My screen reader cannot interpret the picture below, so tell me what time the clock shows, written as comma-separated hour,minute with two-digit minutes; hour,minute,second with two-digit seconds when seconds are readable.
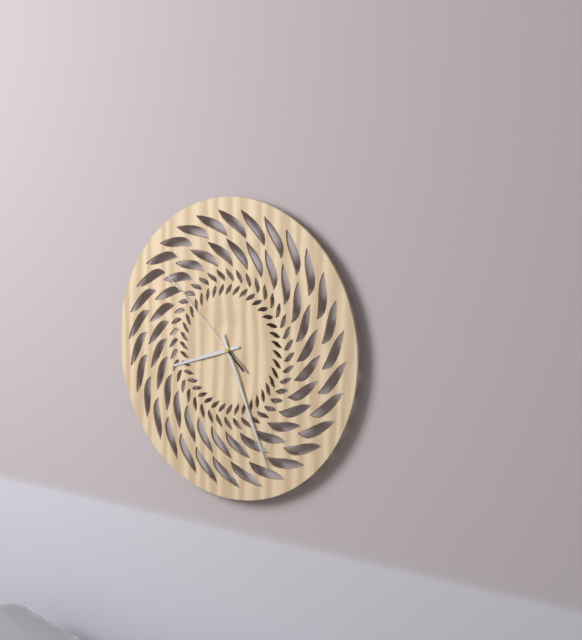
8,26,52
